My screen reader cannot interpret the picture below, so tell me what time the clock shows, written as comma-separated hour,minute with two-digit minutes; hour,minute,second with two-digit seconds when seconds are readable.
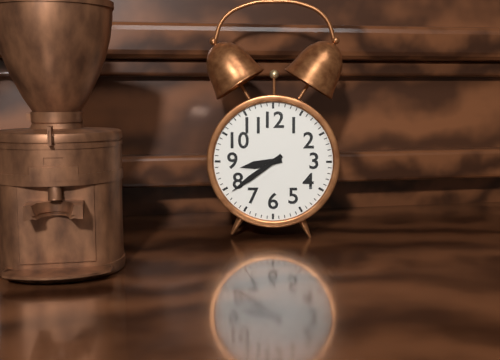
8,39
